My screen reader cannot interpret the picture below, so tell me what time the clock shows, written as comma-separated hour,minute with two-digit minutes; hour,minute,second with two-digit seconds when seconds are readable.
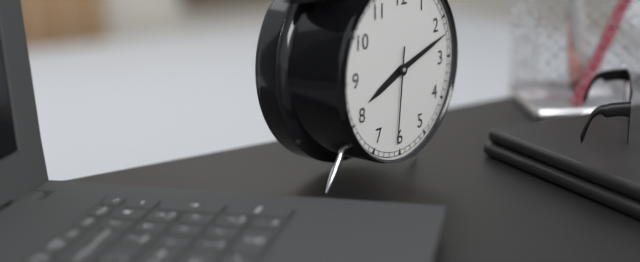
8,12,31
